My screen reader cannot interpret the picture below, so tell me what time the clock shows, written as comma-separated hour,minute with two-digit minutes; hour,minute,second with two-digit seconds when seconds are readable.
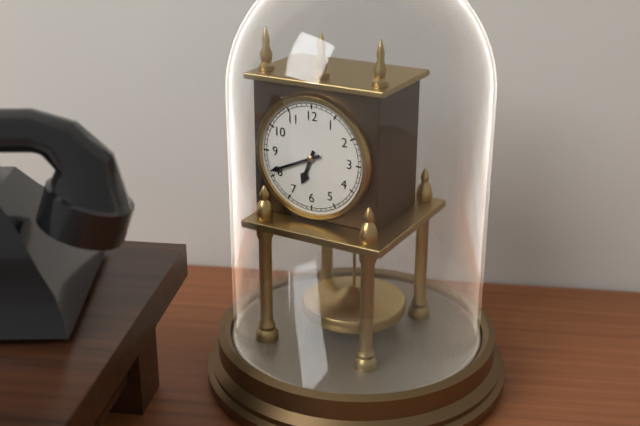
6,41
